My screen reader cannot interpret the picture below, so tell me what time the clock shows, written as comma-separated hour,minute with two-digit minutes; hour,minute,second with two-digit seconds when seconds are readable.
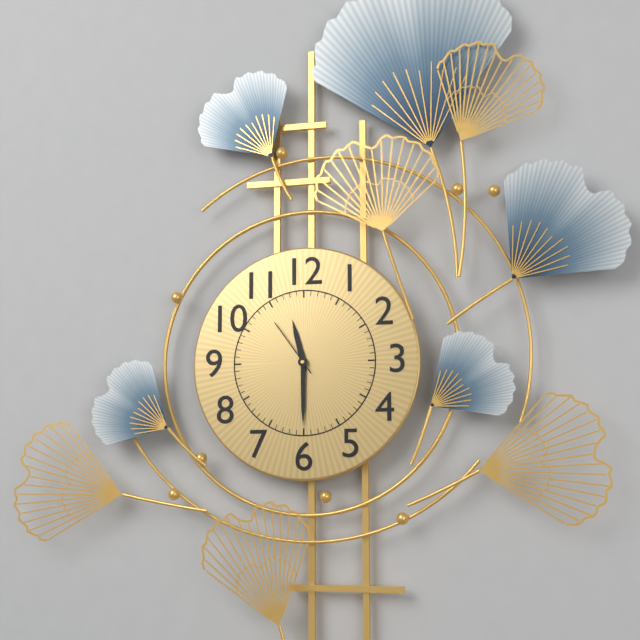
11,30,54
